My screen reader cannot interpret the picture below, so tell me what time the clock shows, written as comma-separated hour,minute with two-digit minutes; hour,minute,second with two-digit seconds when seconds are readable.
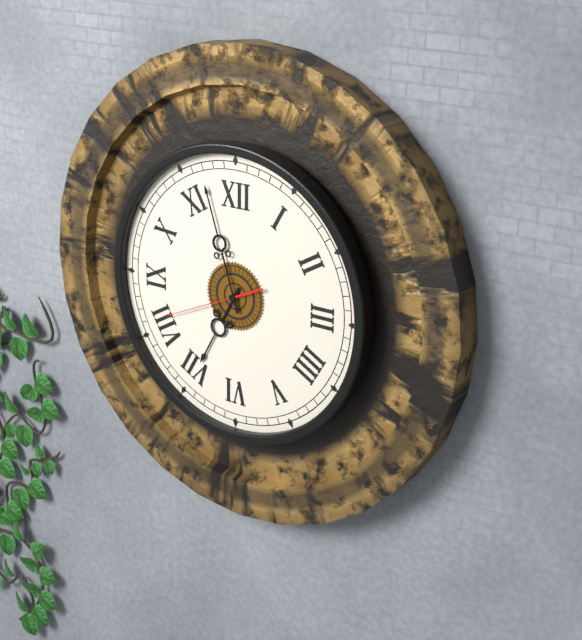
6,57,41
